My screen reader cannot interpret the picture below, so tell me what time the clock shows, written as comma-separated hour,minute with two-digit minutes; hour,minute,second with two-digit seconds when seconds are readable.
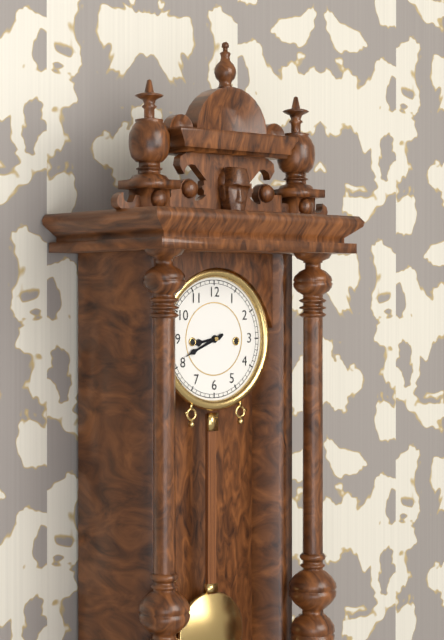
8,41
